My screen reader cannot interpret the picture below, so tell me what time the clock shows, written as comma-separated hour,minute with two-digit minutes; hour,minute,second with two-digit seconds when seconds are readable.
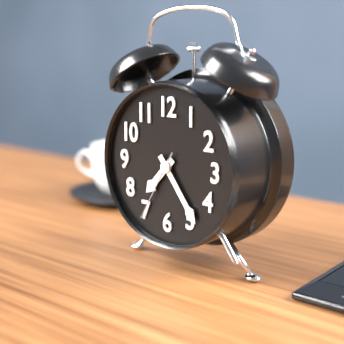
7,24,35
